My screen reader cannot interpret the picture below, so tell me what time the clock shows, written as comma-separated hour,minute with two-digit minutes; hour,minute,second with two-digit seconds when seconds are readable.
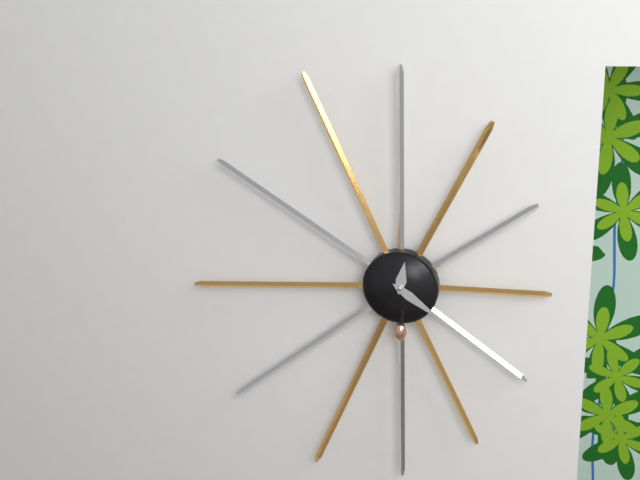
12,21
